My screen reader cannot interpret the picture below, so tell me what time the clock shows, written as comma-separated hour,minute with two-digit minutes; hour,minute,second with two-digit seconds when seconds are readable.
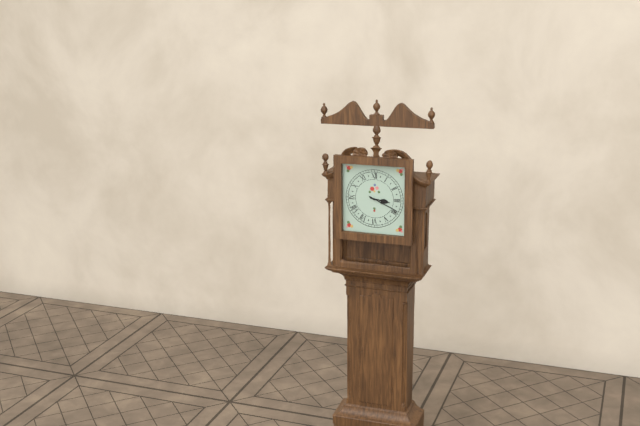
3,19
